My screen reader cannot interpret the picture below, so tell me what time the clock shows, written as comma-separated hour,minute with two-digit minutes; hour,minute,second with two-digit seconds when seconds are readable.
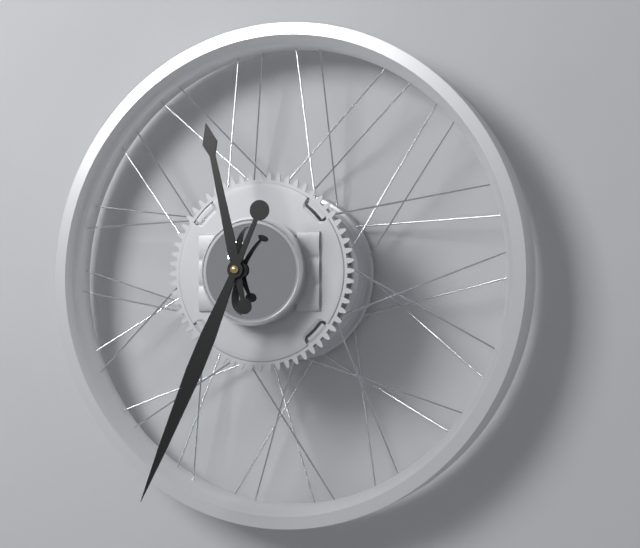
11,34
